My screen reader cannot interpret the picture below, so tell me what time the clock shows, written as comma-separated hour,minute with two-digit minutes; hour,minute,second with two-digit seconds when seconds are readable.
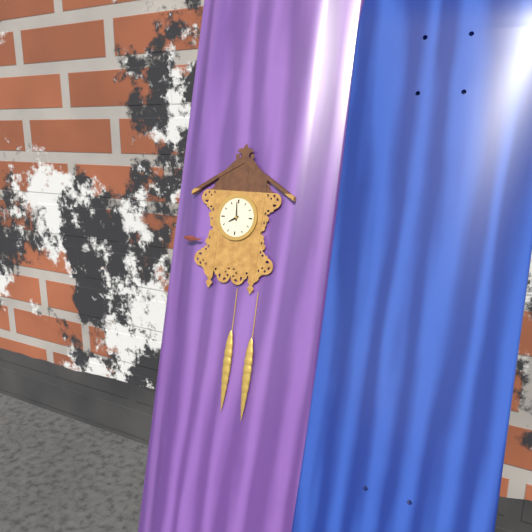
7,59
